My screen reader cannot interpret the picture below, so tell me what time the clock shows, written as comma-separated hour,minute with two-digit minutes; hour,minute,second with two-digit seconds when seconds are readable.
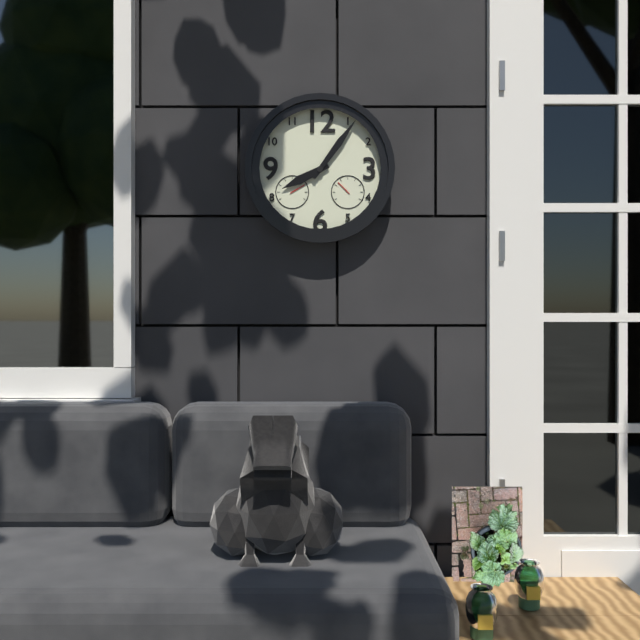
8,06
